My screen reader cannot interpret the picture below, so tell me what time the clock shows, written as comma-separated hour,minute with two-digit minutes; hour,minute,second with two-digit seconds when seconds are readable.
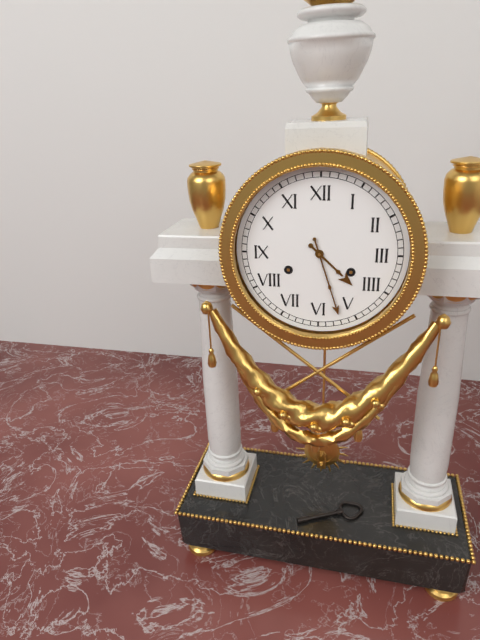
4,27
